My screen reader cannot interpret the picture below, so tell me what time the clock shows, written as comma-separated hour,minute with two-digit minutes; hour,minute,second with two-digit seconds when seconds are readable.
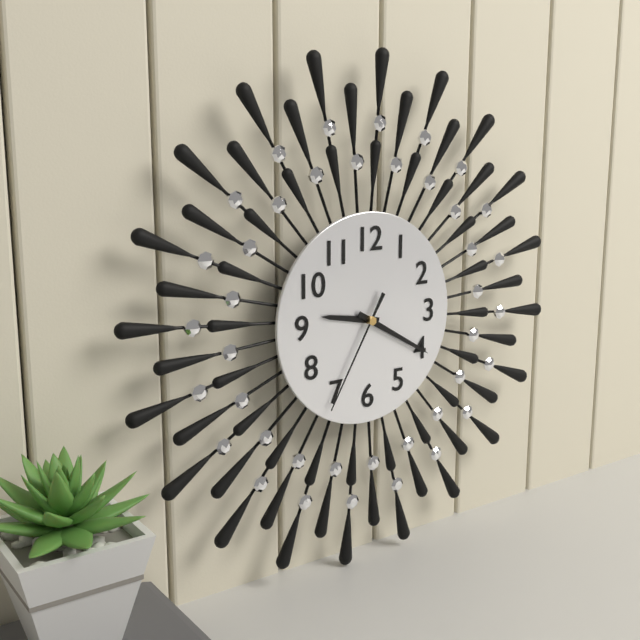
9,20,35
